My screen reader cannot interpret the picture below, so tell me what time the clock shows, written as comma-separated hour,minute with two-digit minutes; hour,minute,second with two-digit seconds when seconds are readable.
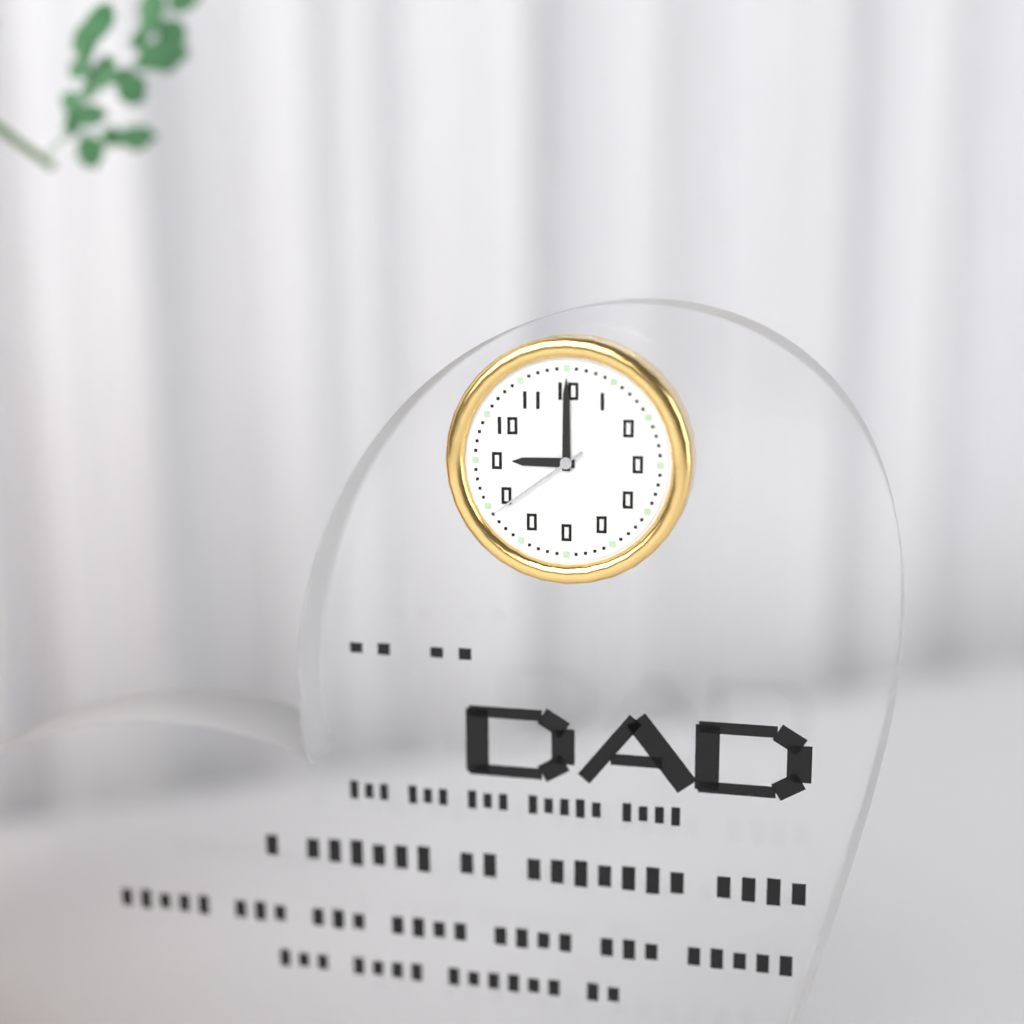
9,00,39
